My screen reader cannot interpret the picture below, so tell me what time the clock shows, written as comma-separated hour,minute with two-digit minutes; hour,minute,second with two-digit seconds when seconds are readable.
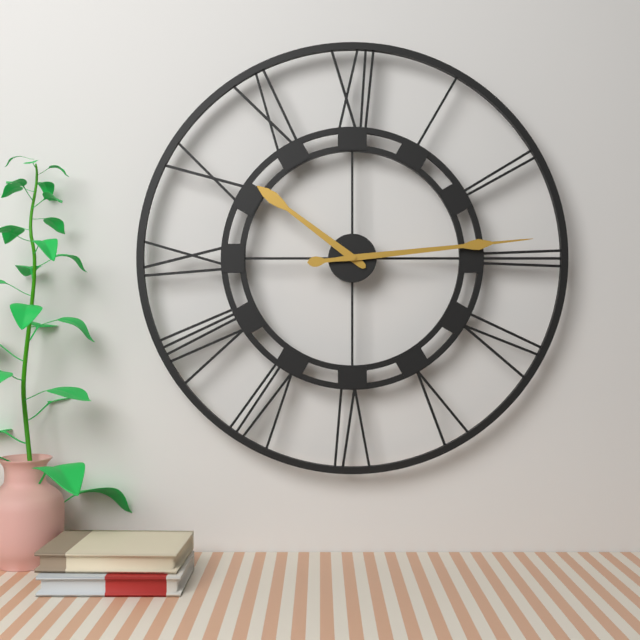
10,14
